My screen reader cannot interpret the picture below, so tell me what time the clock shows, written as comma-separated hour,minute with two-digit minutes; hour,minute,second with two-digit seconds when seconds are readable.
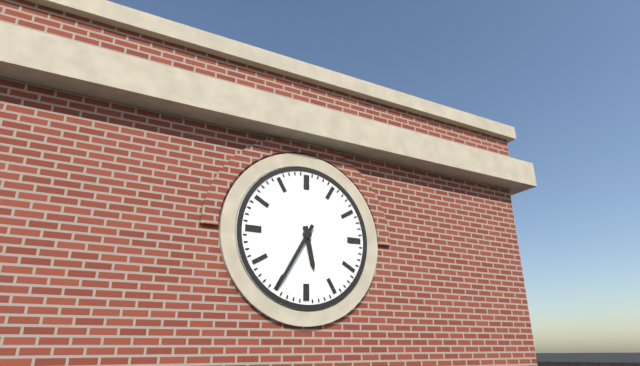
5,35
